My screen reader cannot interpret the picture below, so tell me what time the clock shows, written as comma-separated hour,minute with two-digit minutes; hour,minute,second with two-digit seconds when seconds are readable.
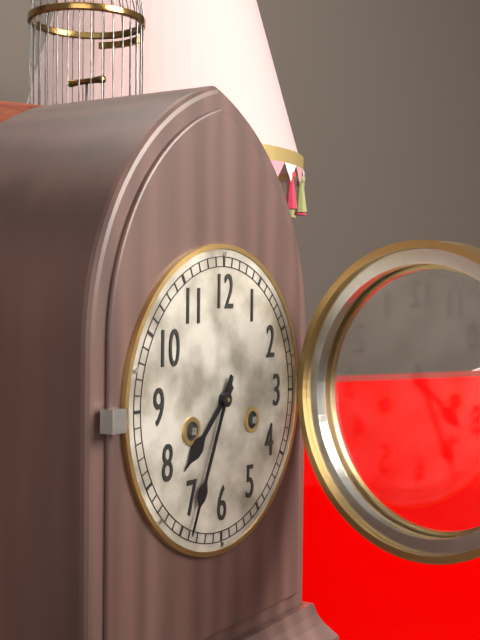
7,34
